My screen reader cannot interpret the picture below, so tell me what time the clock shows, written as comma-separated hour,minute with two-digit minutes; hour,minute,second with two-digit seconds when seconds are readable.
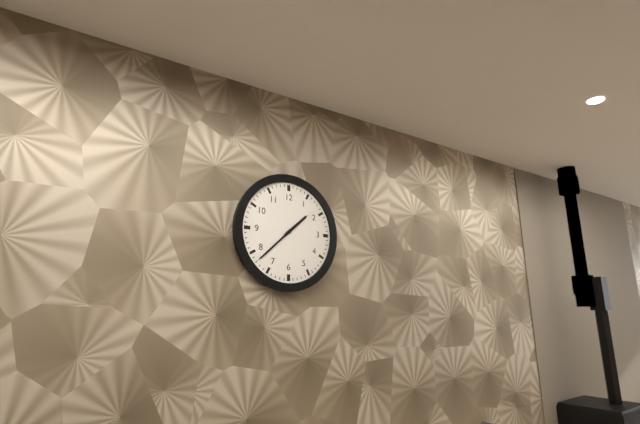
1,38
